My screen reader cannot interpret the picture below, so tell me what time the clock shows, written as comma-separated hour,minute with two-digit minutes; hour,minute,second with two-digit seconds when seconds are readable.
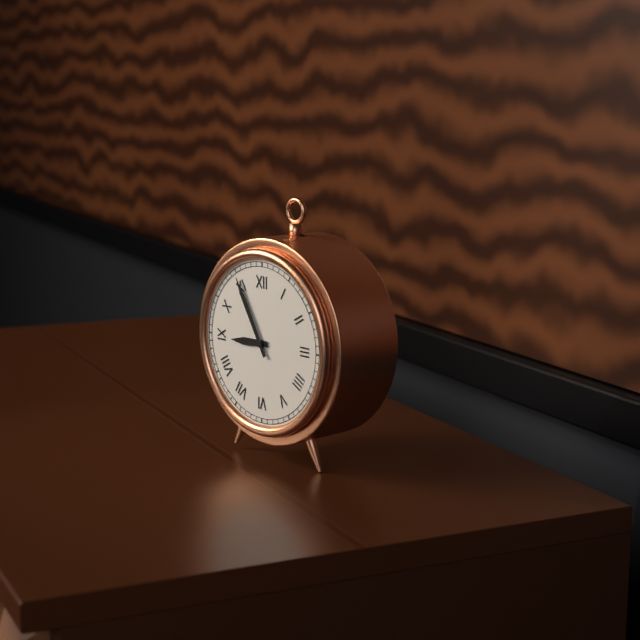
8,55
